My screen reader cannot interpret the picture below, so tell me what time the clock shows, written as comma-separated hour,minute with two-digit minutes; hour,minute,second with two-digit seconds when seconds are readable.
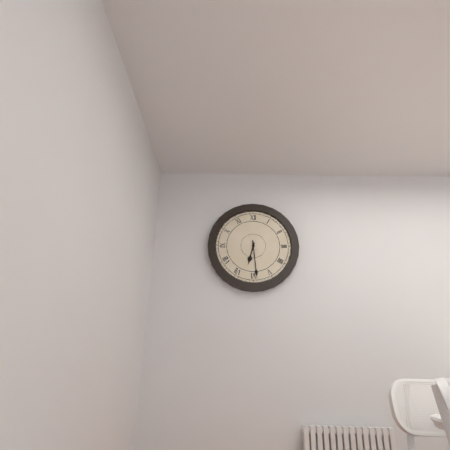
6,29
